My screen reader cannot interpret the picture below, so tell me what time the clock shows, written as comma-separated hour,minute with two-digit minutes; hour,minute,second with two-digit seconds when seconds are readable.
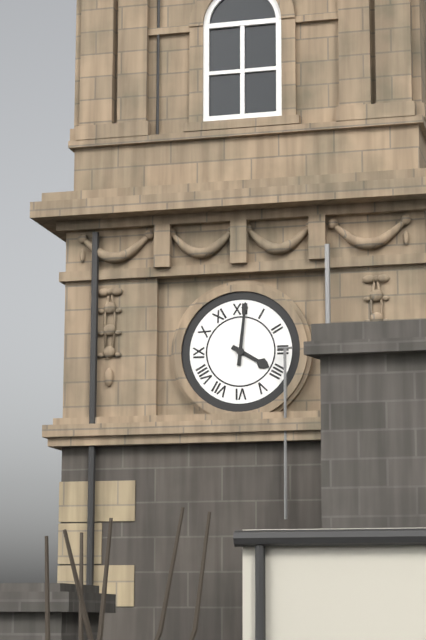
4,01
